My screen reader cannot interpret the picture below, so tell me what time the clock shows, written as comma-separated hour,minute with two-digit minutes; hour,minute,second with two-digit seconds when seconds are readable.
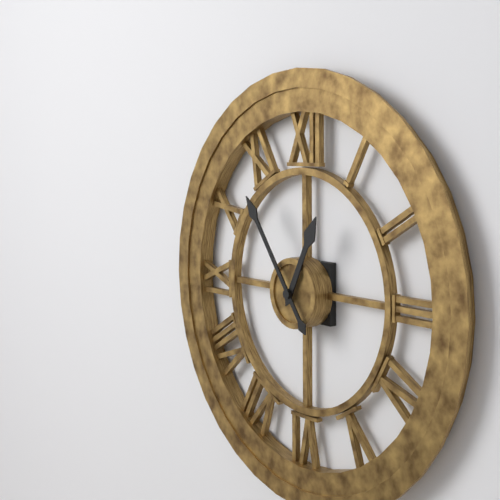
12,54
